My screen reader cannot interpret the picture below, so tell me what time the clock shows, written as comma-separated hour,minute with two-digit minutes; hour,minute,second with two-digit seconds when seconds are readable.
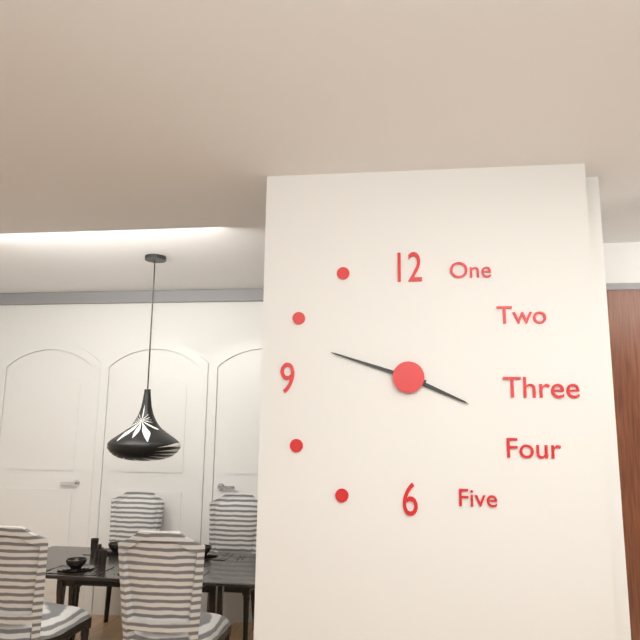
3,48
